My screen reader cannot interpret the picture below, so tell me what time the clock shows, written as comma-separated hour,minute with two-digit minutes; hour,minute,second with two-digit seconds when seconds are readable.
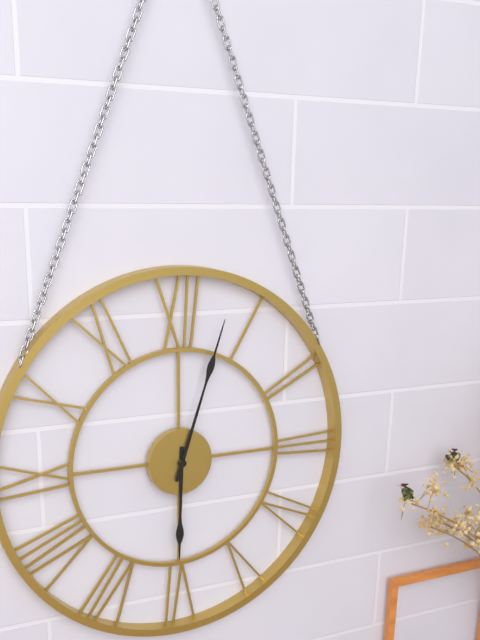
6,03
